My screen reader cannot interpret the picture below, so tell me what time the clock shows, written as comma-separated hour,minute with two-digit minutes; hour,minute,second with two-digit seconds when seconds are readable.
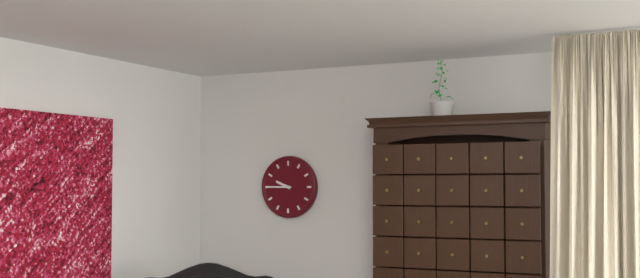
9,45
